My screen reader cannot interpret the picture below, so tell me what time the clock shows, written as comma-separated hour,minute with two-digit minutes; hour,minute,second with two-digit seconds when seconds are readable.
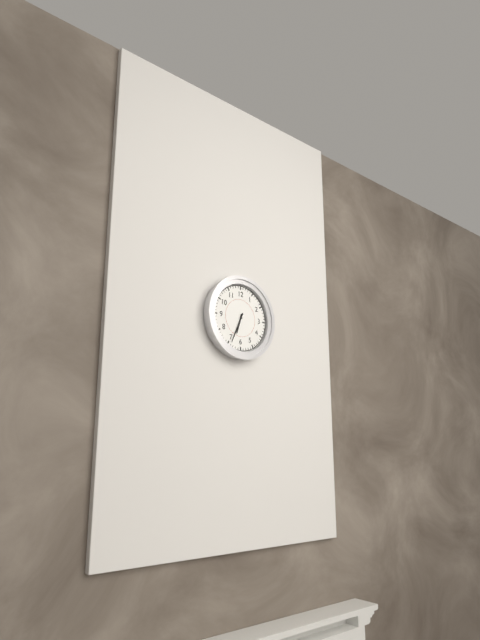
6,34
